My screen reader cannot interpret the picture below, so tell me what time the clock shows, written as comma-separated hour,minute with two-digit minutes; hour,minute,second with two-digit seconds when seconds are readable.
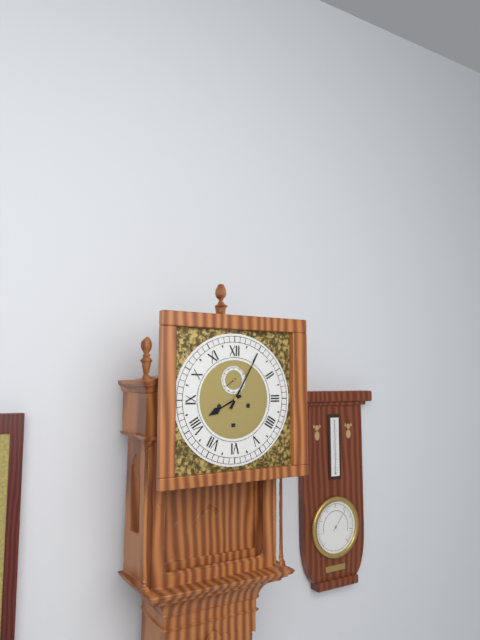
8,05
